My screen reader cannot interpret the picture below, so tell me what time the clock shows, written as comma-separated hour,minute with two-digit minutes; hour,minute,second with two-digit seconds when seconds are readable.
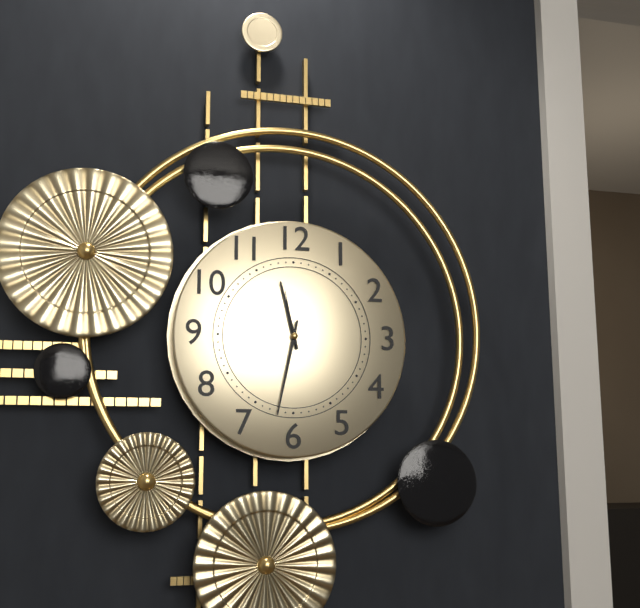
11,32,58
